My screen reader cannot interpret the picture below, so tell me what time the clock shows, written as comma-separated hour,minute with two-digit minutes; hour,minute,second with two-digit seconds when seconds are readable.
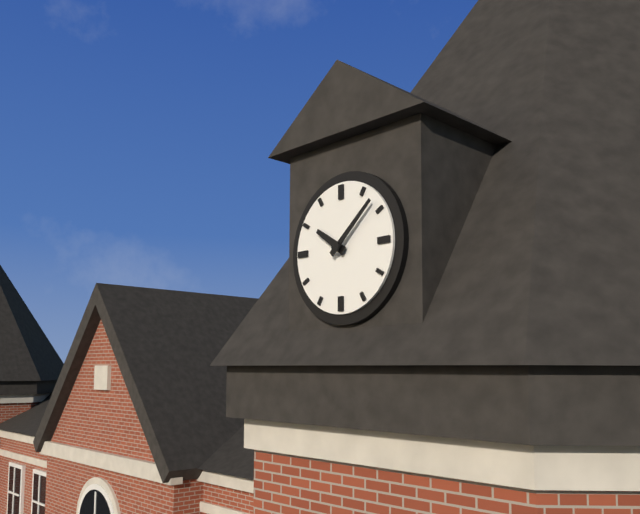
10,08
